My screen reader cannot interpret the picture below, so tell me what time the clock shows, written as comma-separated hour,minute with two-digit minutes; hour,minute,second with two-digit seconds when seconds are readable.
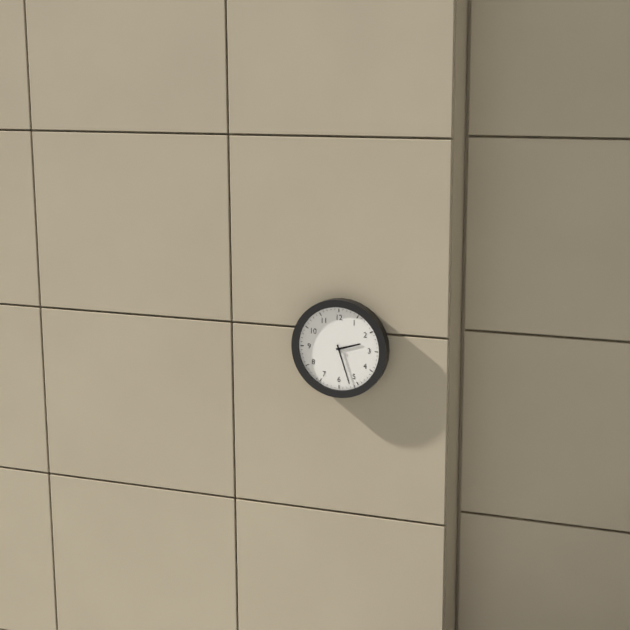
2,27
